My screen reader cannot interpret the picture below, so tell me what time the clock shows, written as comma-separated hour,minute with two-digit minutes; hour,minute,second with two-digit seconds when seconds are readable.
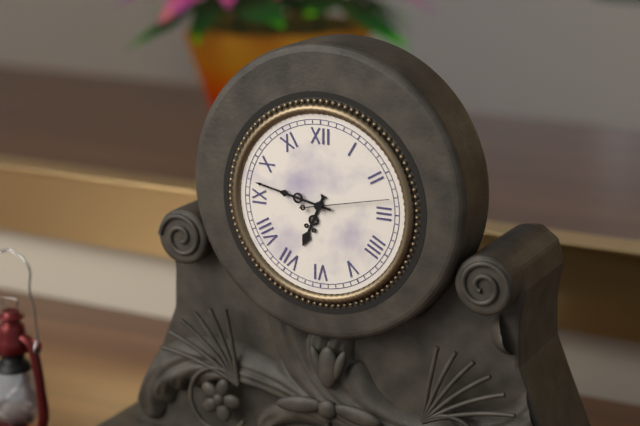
6,47,13
